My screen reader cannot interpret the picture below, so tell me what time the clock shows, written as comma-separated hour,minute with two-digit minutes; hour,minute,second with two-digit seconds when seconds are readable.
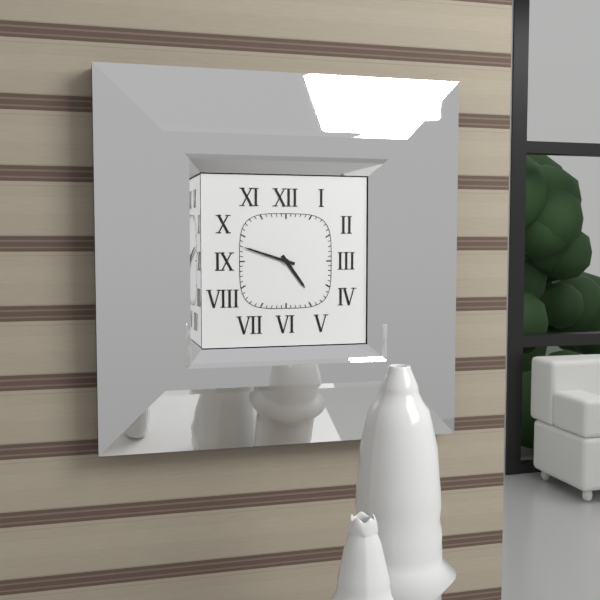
4,48
